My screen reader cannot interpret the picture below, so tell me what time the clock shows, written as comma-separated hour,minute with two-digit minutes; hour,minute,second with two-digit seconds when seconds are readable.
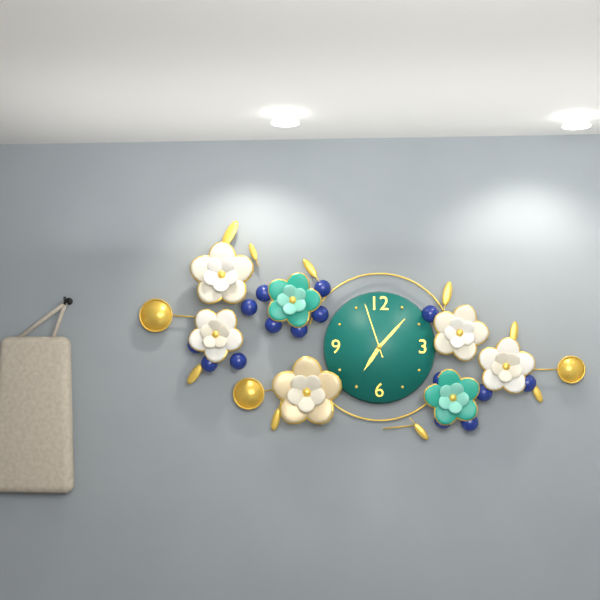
7,07,57
